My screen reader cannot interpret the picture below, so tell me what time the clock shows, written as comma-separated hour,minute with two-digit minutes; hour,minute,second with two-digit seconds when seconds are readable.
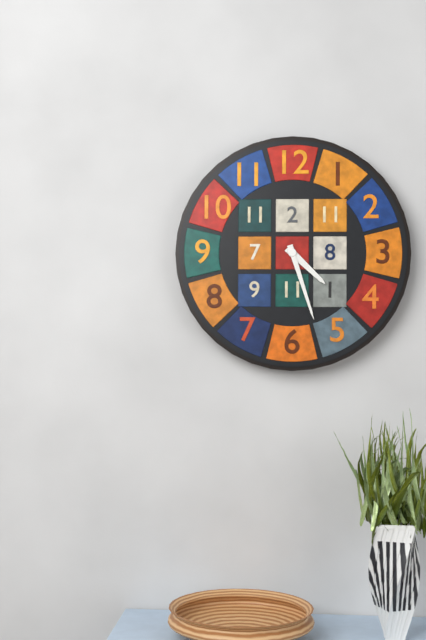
4,27
